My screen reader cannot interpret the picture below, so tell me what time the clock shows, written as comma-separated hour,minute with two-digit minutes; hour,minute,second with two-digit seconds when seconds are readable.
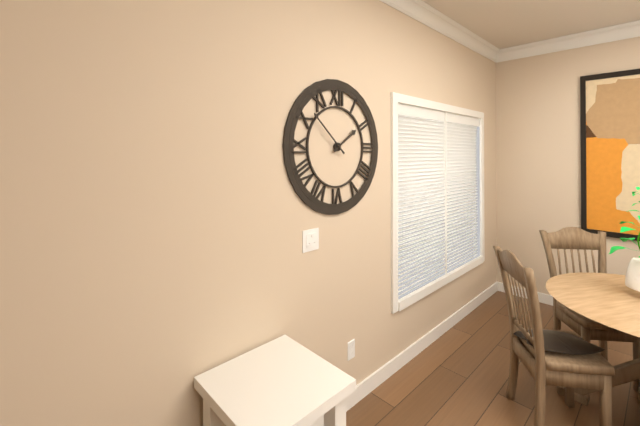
1,52
